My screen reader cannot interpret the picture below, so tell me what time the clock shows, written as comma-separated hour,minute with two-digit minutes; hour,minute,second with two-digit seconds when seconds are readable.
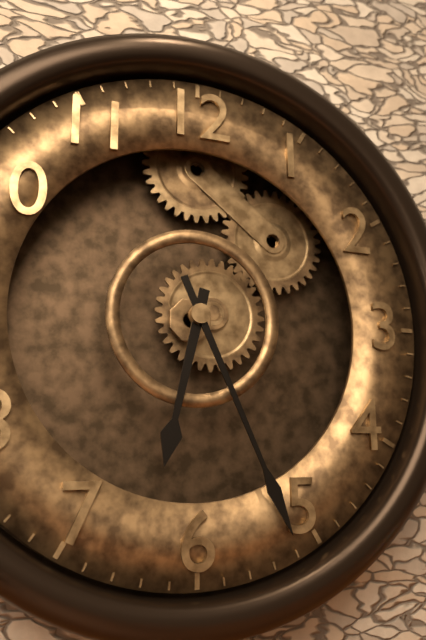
6,26
